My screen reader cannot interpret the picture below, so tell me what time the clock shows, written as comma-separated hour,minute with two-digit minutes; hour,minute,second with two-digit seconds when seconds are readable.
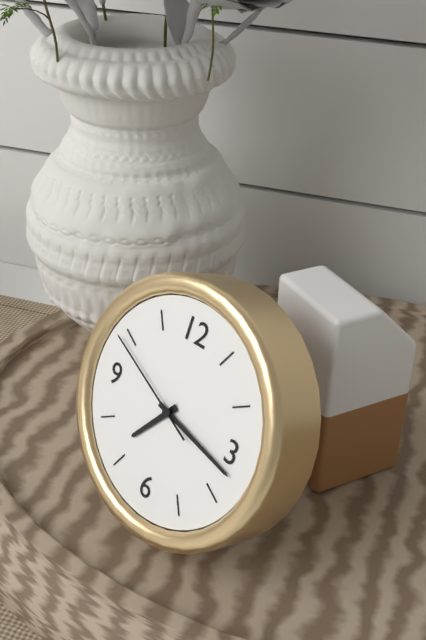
7,17,49
